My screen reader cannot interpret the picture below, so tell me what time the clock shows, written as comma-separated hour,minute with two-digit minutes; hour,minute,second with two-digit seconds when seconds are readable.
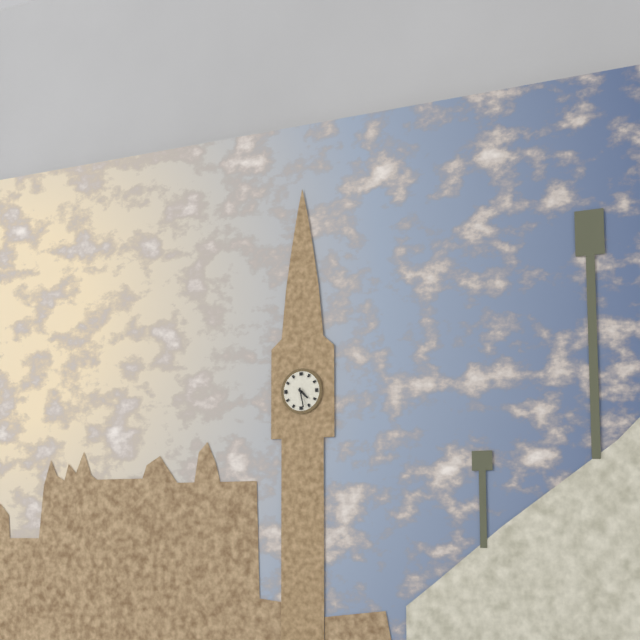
4,28
